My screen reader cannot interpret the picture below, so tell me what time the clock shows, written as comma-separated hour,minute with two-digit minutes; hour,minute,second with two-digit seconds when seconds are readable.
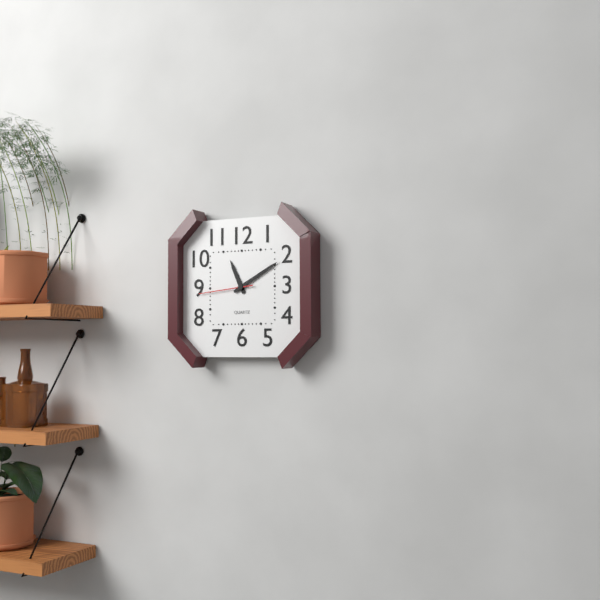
11,10,44
